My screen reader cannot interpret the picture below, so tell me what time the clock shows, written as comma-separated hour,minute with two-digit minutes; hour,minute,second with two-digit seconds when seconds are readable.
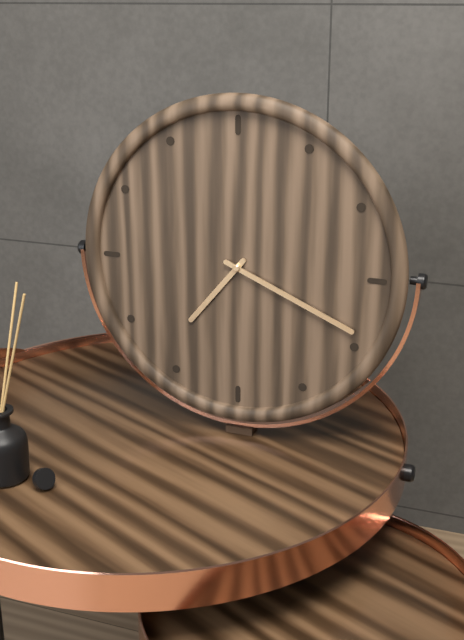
7,19
